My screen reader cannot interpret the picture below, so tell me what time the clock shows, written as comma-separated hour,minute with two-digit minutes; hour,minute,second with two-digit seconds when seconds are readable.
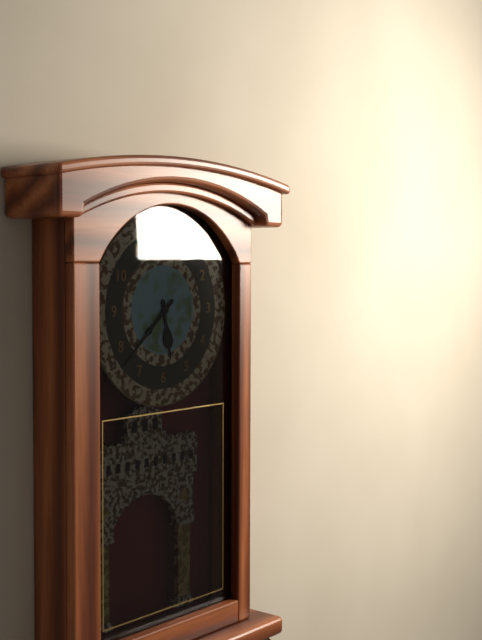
5,38
